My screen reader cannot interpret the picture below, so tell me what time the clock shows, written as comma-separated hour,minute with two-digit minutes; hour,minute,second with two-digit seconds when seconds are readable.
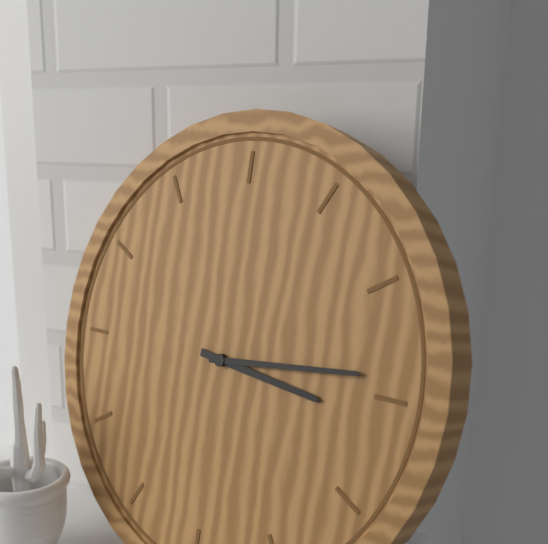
3,14
